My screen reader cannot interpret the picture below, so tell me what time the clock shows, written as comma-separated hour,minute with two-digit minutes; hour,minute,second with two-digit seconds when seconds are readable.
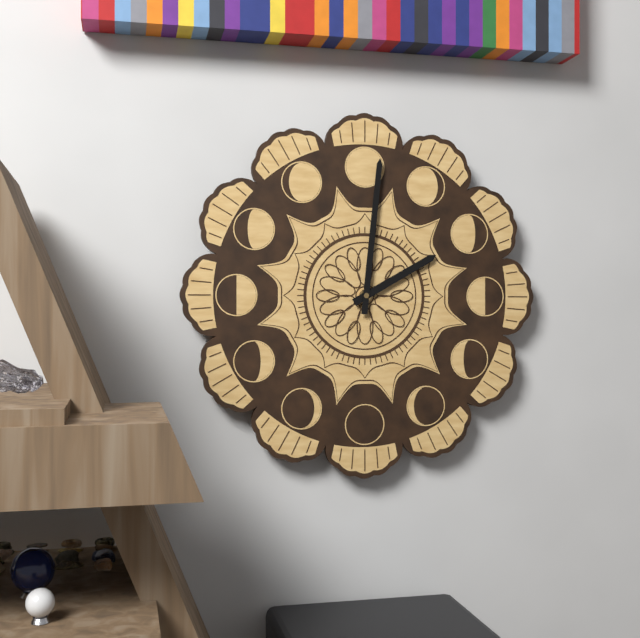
2,01
